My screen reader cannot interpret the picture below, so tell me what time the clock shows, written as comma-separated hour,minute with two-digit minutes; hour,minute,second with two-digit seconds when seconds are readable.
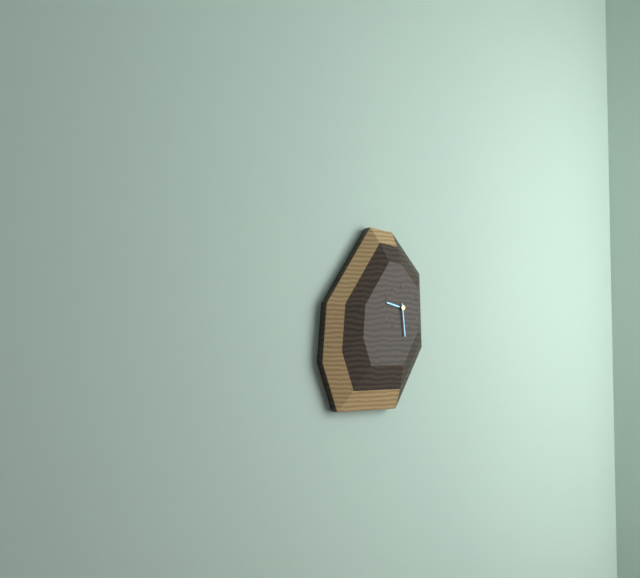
9,29
